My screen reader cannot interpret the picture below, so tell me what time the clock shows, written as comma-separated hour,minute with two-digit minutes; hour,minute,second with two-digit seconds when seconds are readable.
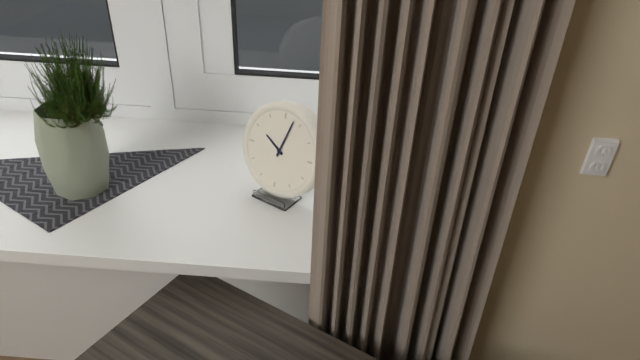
10,03
